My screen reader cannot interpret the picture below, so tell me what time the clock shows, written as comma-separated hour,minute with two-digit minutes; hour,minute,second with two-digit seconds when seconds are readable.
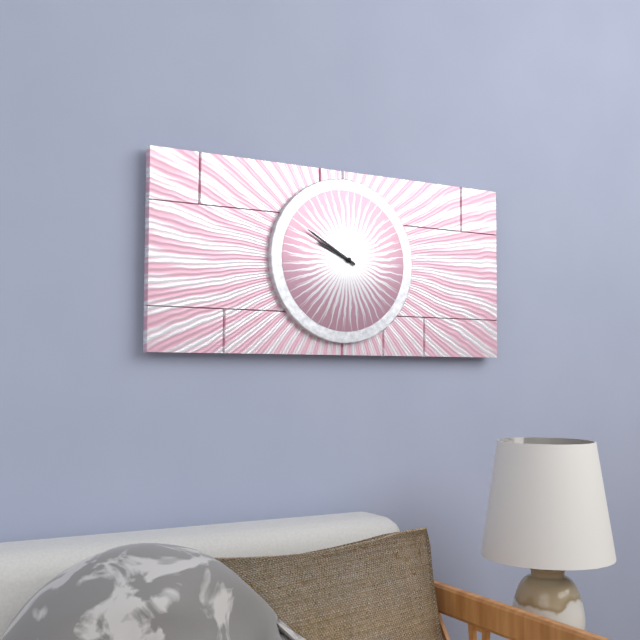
9,50
